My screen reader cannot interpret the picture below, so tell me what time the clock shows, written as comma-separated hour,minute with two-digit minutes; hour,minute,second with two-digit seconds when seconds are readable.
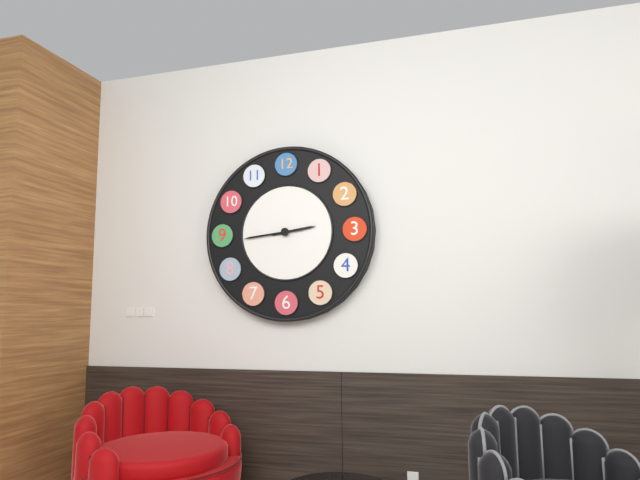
2,44
